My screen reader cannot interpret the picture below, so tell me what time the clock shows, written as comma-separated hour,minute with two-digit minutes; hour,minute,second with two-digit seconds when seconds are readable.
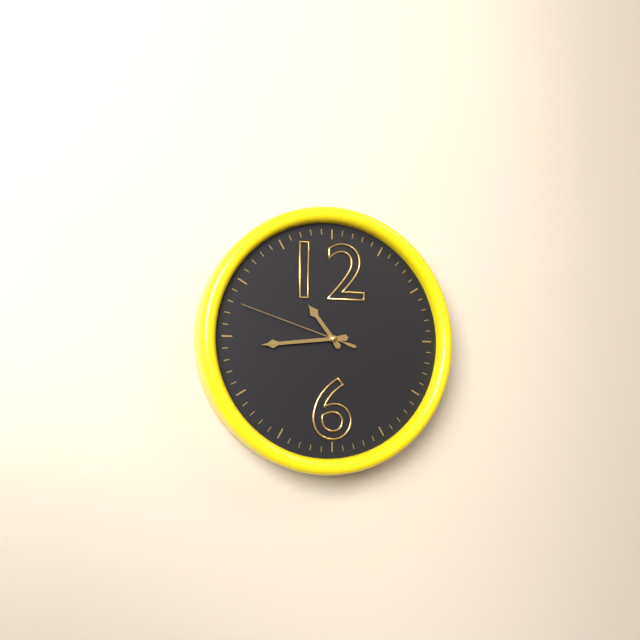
10,44,48
